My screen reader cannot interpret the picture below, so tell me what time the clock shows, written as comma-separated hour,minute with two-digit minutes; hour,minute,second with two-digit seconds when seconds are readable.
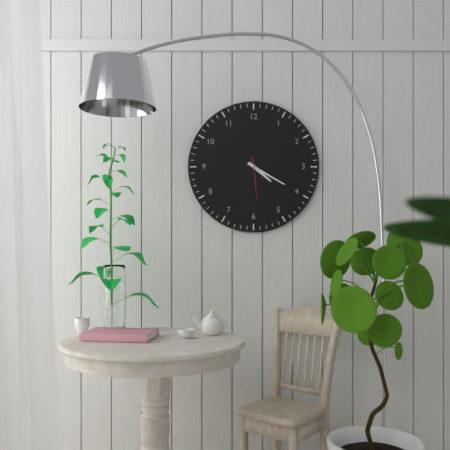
4,20
